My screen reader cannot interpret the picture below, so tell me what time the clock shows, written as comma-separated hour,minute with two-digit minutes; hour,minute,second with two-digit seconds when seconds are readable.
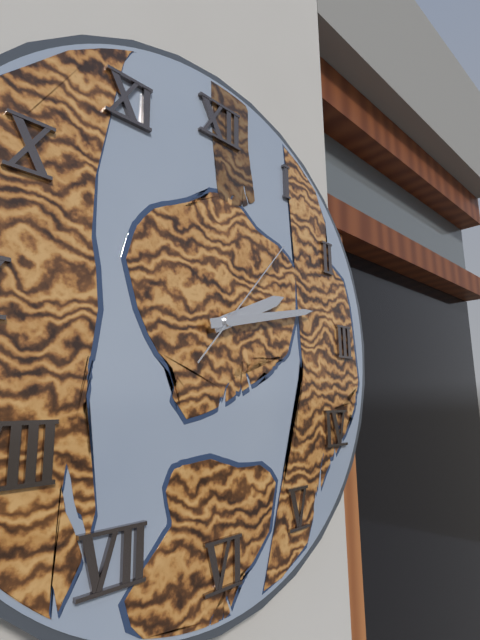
2,13,07
